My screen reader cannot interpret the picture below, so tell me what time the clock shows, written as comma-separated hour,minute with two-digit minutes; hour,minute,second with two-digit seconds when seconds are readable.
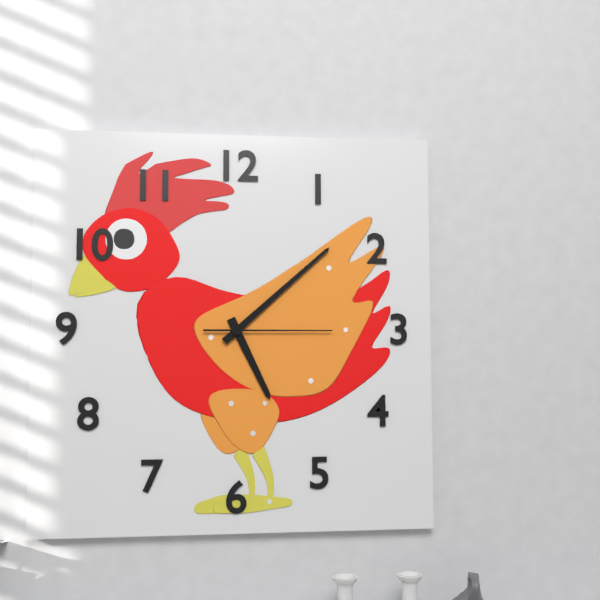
5,08,15
